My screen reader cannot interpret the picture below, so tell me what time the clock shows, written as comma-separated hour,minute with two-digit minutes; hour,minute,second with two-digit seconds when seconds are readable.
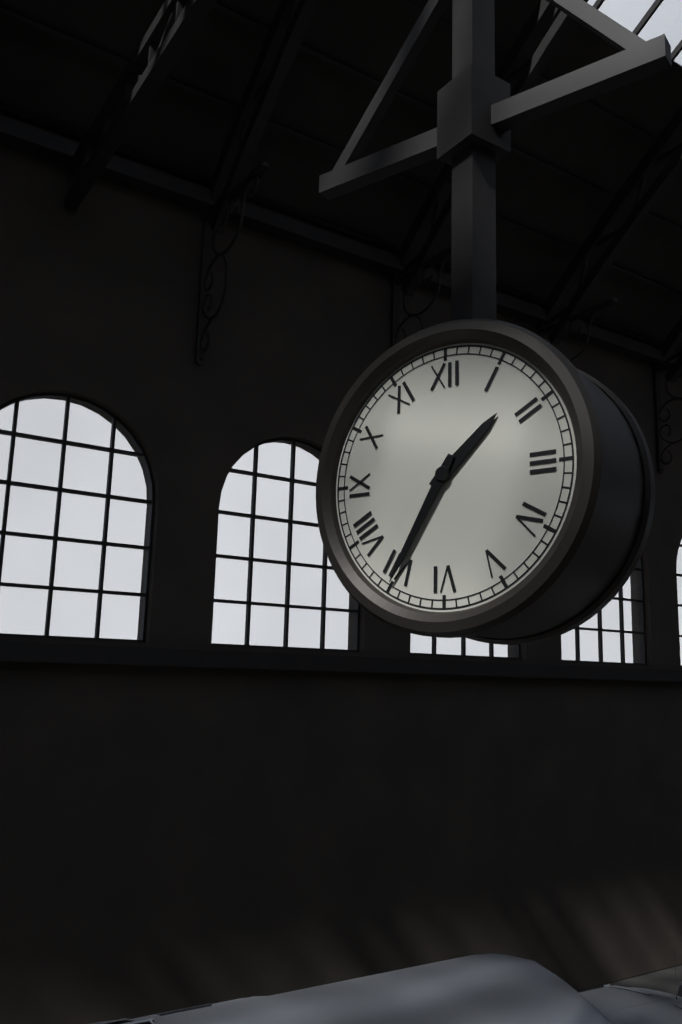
1,35
